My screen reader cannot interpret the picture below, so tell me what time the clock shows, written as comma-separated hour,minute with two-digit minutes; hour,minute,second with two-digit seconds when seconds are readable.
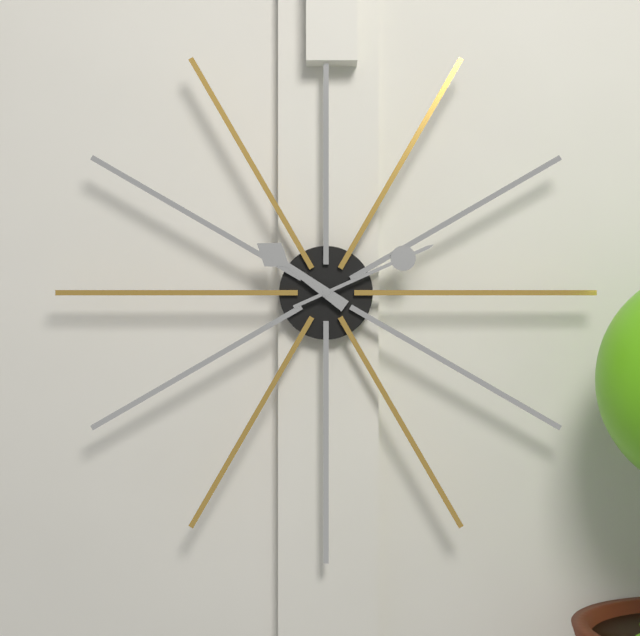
10,11
